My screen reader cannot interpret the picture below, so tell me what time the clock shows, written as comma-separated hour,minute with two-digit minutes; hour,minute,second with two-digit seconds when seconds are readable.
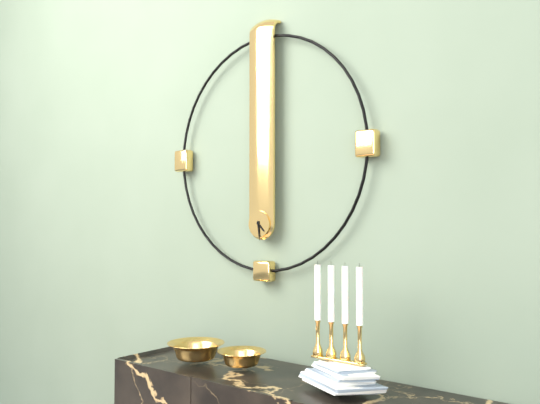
4,29
